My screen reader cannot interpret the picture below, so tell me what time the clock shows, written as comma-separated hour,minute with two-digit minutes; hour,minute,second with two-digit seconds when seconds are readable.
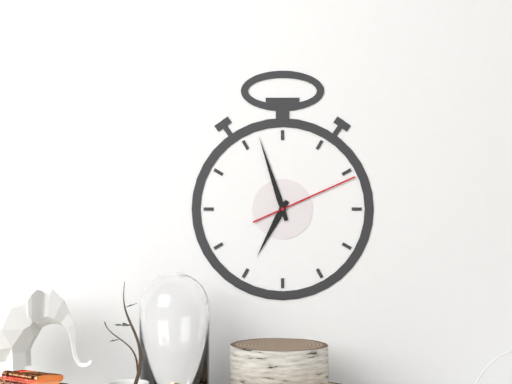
6,57,11
